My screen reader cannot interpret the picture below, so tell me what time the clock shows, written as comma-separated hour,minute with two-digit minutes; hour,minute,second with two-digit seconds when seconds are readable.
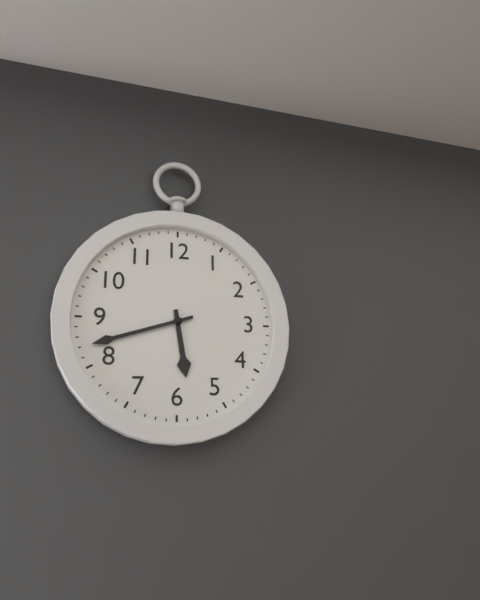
5,42
